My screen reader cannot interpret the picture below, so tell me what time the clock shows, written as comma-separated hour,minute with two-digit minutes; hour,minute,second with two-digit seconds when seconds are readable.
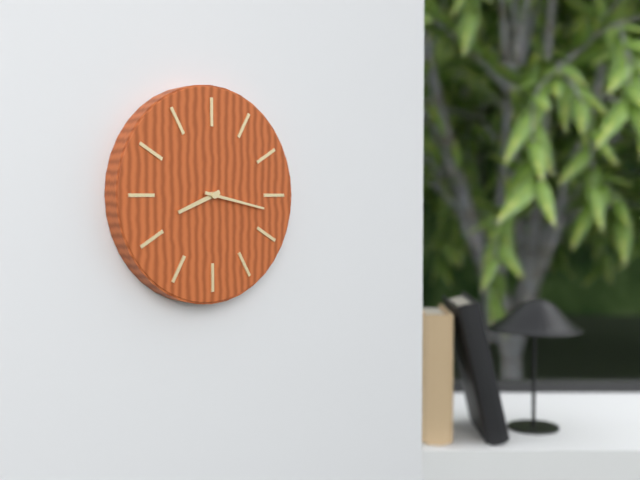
8,17
